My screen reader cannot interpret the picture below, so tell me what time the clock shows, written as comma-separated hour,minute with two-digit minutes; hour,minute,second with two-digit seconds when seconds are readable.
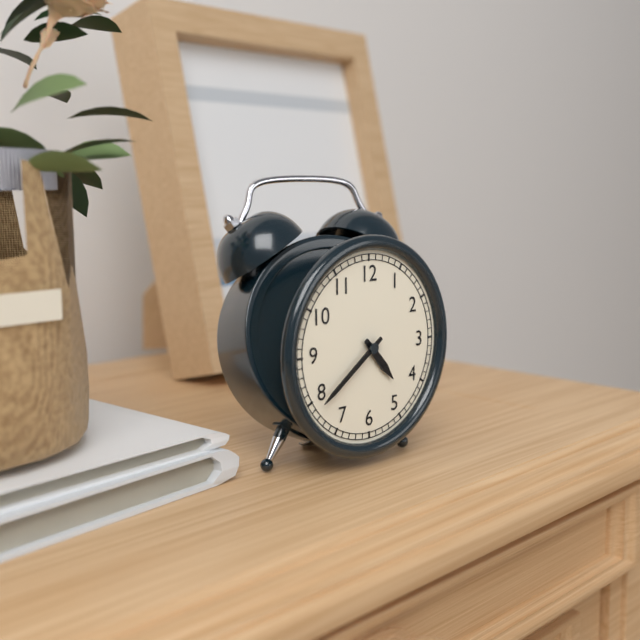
4,39
